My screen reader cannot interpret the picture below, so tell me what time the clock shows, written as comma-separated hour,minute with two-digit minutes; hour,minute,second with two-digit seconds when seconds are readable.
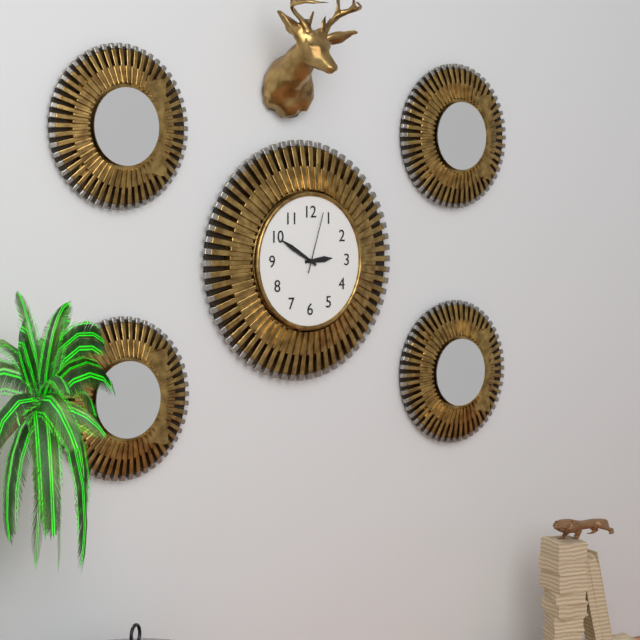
2,50,03
